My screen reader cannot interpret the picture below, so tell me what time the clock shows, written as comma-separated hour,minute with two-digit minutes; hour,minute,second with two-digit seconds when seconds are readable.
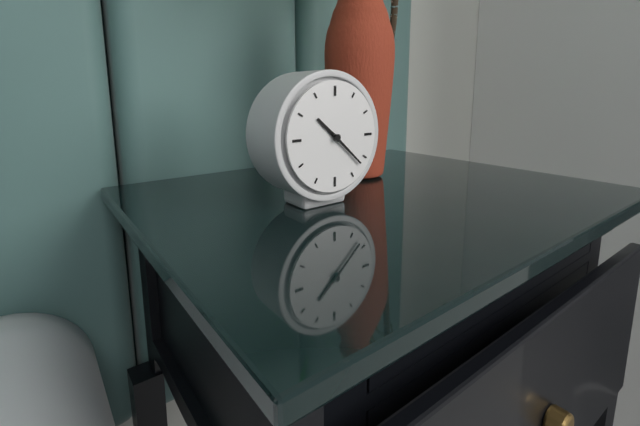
10,22
